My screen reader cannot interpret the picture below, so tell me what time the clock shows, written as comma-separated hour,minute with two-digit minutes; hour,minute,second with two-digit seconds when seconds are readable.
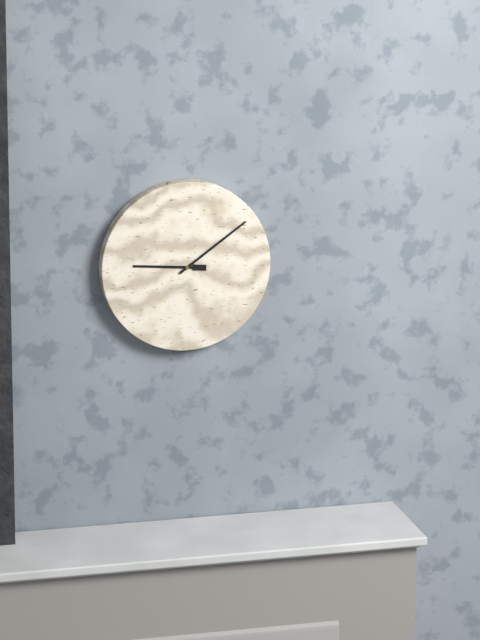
9,09
